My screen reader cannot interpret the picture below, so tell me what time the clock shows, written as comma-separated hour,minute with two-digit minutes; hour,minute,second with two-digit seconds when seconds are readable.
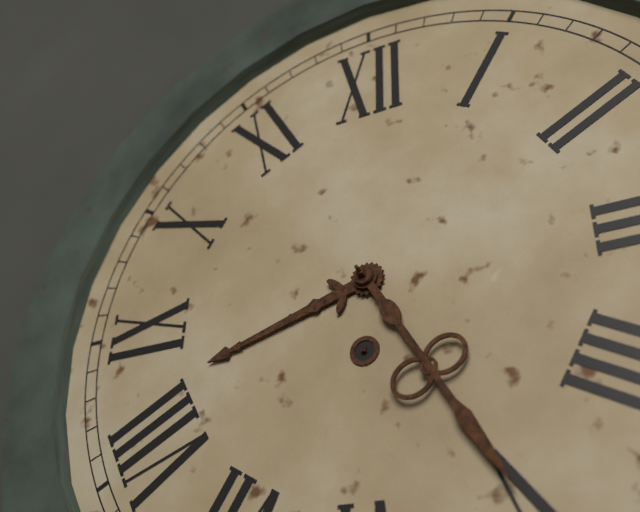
8,25
